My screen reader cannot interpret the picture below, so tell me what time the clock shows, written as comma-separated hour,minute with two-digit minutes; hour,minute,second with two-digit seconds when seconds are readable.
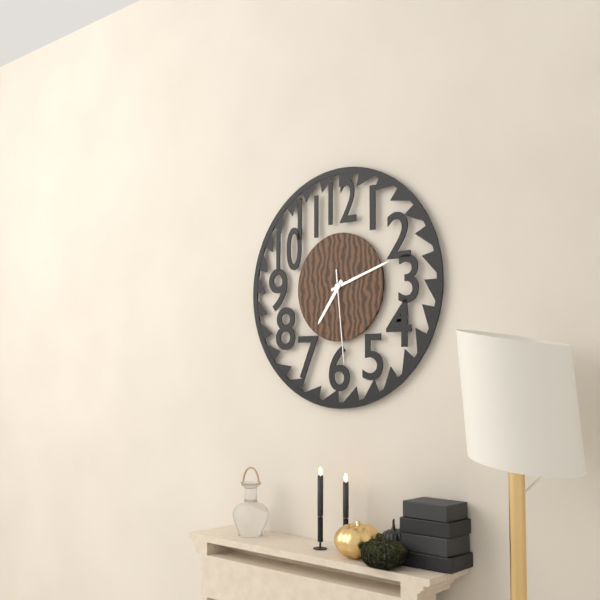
7,12,29
